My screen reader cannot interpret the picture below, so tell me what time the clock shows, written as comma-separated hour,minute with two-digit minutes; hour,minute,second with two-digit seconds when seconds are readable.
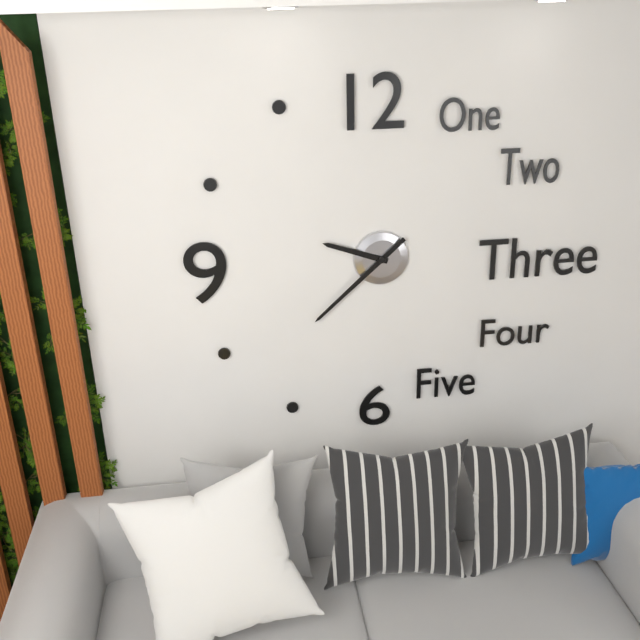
9,38
